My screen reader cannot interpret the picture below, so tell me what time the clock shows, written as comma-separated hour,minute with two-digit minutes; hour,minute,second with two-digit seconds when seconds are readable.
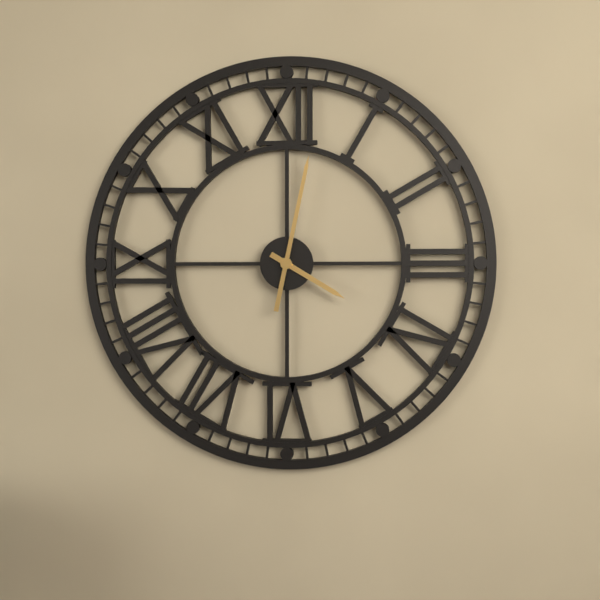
4,02
